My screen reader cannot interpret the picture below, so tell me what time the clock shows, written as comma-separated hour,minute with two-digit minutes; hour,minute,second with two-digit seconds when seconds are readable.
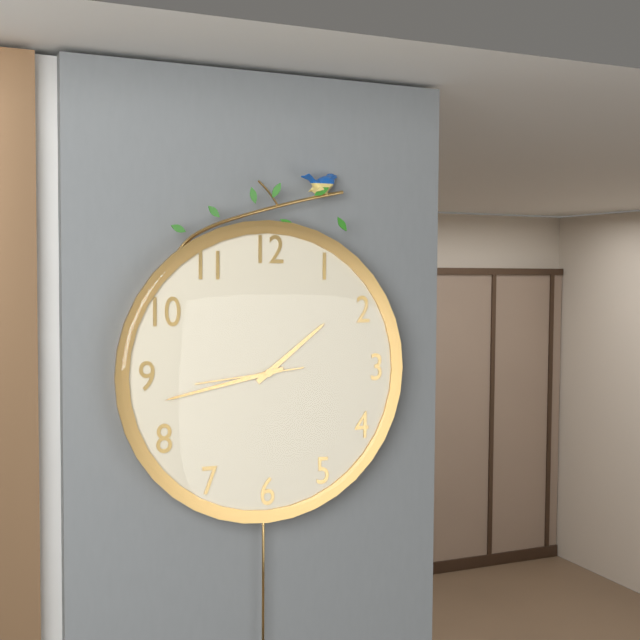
1,43,44
